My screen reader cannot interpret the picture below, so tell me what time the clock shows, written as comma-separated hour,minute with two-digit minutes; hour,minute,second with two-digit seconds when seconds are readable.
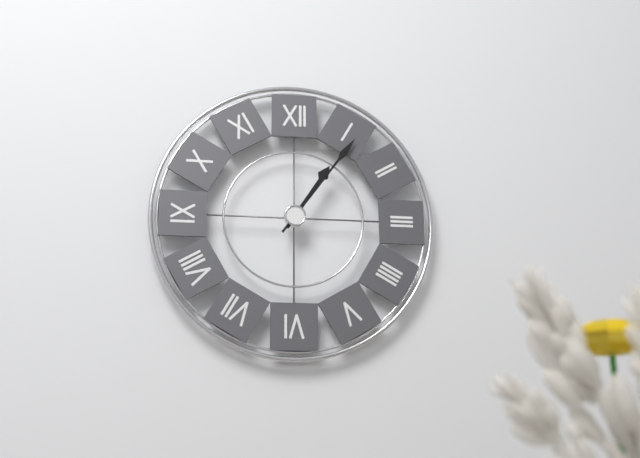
1,06
